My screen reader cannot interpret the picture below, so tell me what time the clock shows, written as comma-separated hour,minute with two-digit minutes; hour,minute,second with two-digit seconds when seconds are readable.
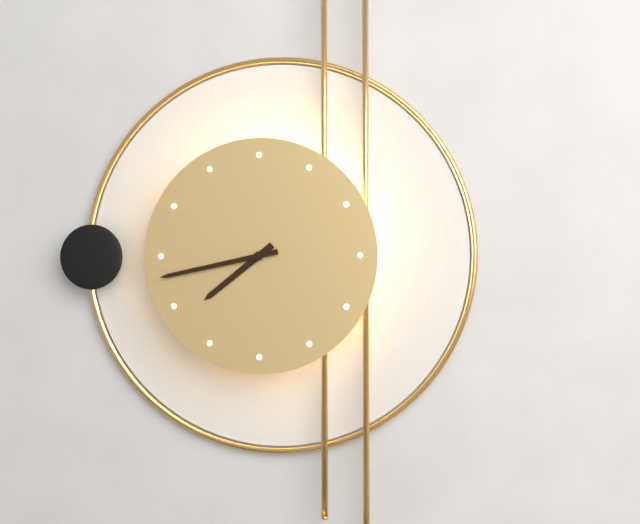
7,43
